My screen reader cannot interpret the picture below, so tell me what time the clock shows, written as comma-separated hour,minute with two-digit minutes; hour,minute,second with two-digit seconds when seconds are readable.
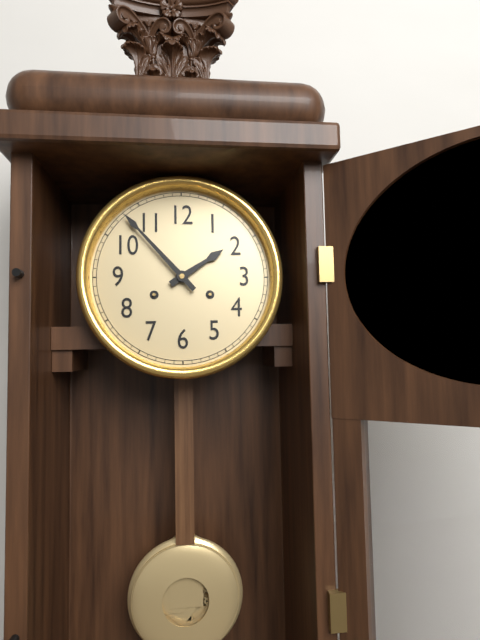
1,53
